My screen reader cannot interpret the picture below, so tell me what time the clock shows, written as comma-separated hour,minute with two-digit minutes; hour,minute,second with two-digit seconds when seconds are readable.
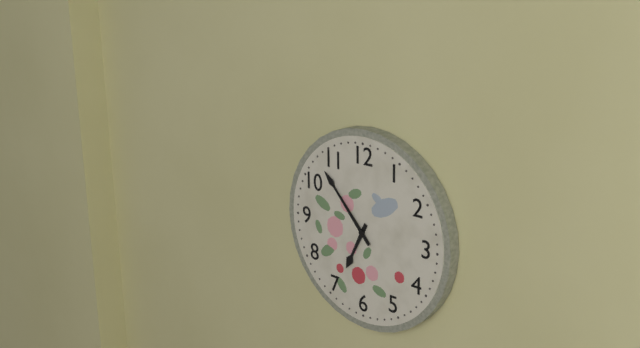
6,53
